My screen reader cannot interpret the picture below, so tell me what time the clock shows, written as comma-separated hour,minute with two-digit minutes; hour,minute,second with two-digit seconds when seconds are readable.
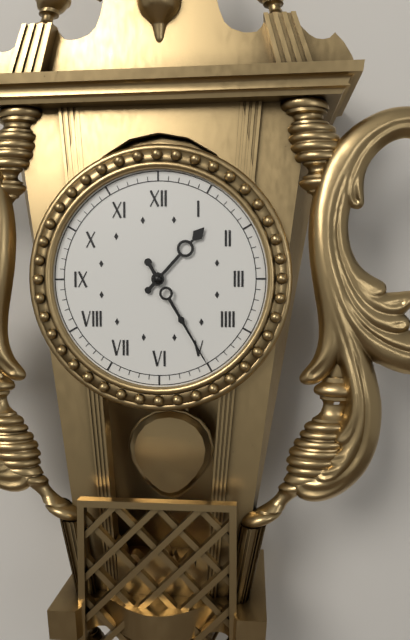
1,25
